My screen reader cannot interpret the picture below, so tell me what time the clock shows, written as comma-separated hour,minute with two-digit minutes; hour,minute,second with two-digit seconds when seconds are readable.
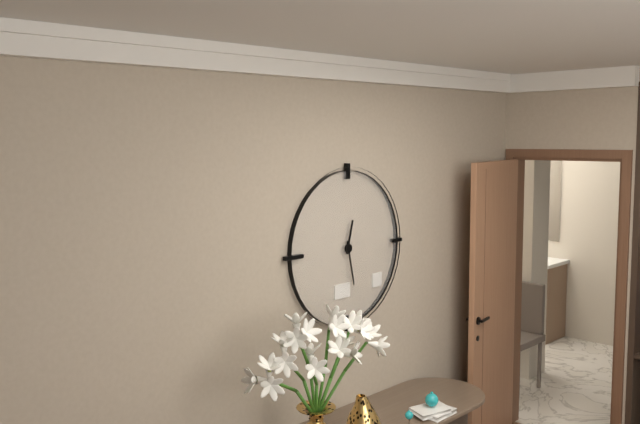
12,28
